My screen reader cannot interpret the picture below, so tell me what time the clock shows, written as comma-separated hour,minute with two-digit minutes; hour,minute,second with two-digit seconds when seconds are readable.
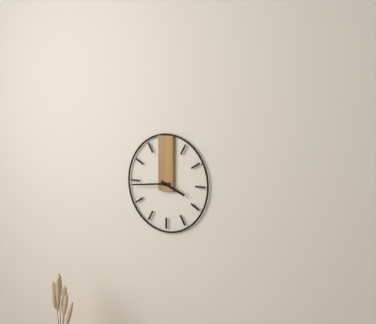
3,44
